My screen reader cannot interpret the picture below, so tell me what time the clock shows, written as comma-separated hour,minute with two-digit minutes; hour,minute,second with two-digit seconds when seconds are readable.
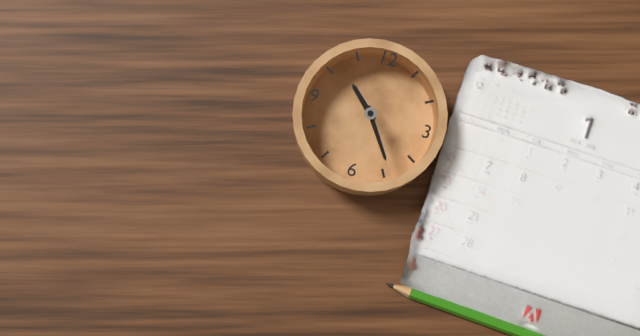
10,24
